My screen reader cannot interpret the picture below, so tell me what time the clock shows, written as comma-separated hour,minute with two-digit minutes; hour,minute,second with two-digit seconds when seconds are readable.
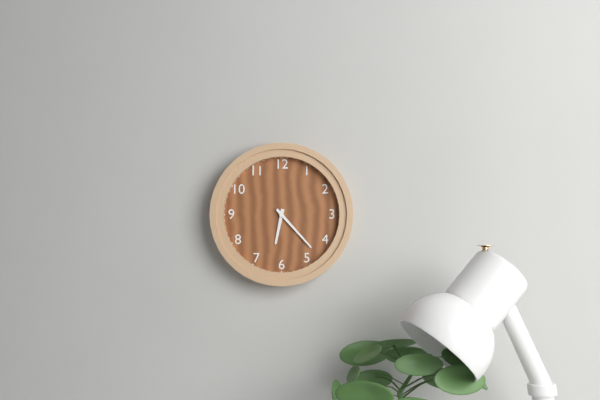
6,23
